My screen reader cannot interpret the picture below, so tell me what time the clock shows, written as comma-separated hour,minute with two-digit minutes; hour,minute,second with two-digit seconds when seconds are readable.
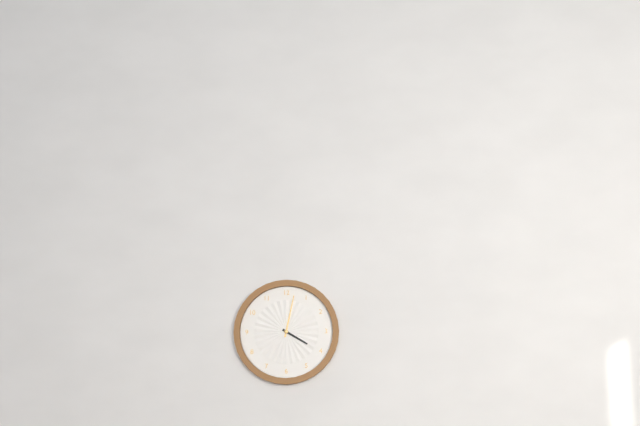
4,02
